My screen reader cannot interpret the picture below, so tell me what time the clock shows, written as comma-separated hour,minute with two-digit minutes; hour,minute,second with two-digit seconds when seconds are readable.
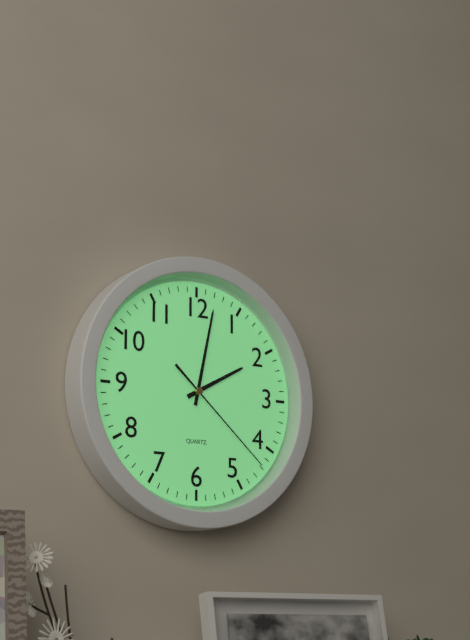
2,02,22
